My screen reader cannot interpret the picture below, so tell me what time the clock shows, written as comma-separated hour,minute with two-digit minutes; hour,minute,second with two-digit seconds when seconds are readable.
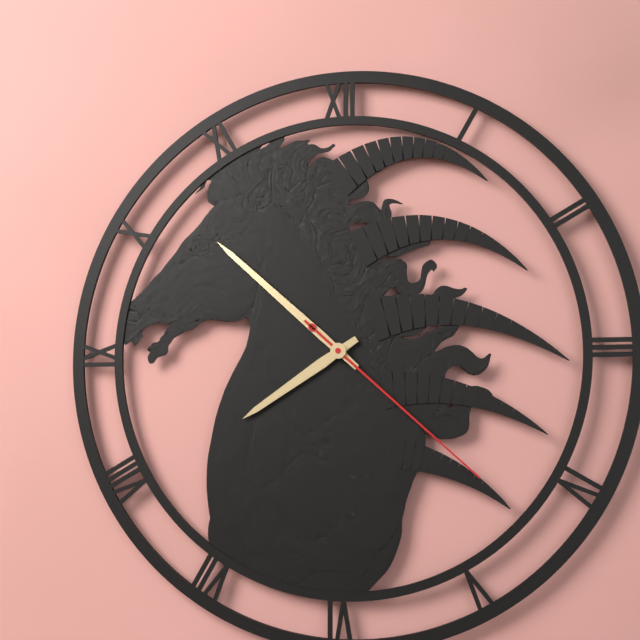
7,52,22
